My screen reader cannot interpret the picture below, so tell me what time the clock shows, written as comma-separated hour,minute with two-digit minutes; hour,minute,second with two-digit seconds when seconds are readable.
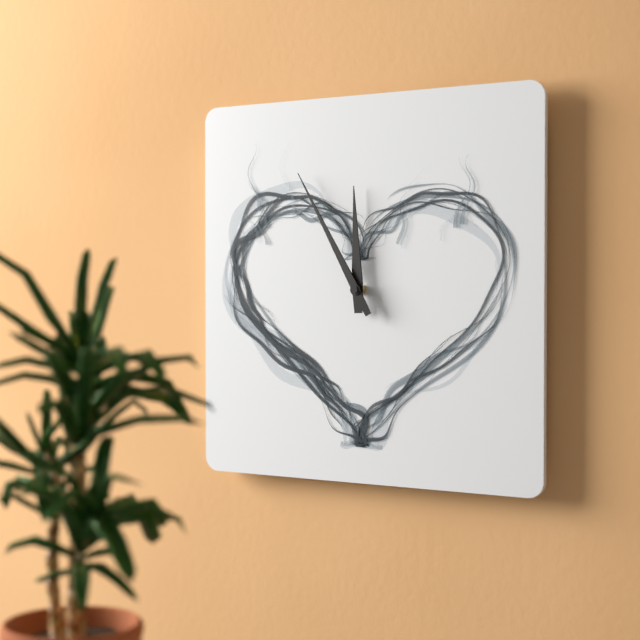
11,55
